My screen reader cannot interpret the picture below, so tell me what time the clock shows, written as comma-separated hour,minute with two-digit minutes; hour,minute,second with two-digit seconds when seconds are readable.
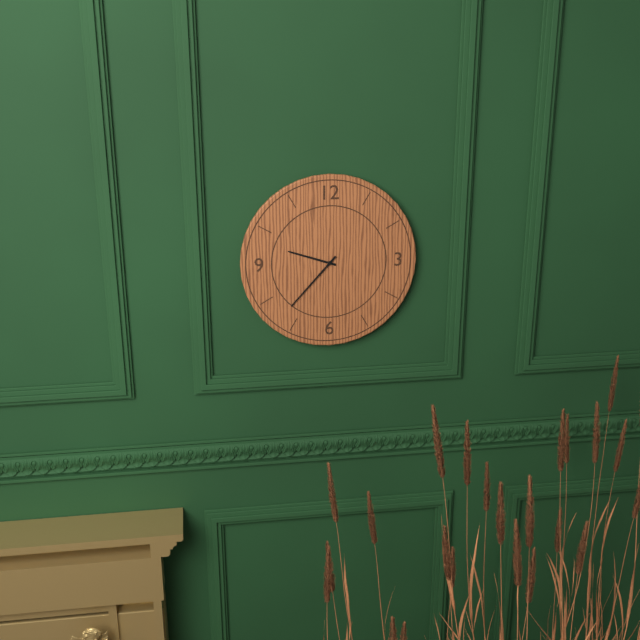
9,37
